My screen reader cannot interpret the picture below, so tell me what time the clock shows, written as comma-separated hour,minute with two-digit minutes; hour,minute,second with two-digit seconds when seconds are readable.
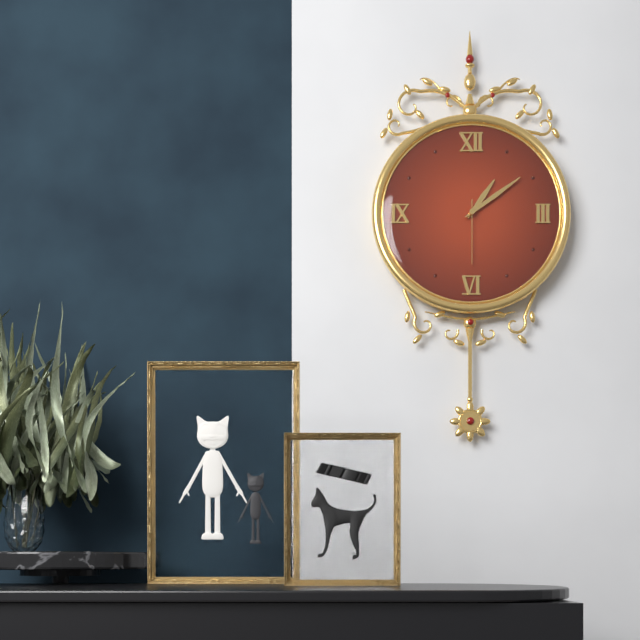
1,09,30
